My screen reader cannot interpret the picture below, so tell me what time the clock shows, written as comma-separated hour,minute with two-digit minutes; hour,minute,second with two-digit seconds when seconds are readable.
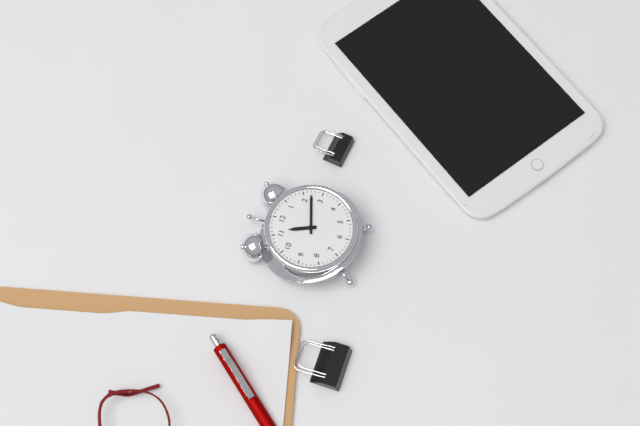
11,12
